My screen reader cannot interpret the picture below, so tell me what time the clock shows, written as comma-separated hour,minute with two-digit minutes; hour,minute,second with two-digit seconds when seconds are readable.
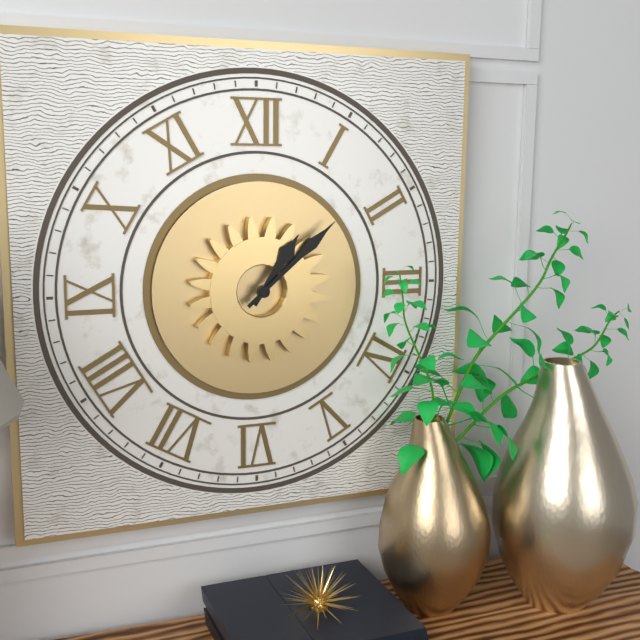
1,08
